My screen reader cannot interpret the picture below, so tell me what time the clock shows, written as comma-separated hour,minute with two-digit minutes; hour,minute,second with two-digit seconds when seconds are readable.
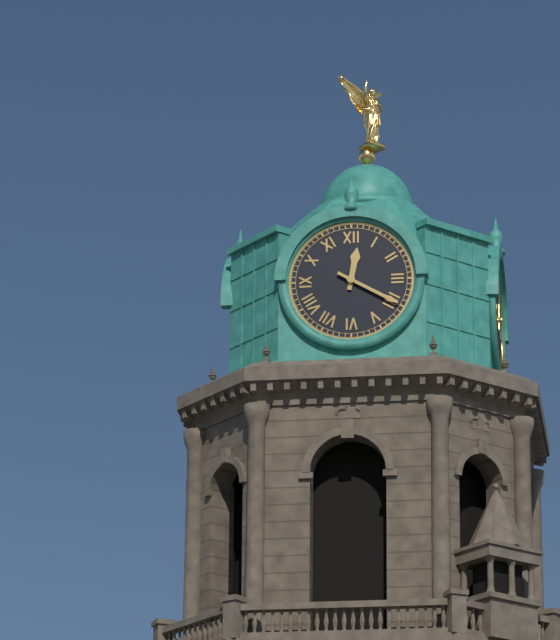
12,20
